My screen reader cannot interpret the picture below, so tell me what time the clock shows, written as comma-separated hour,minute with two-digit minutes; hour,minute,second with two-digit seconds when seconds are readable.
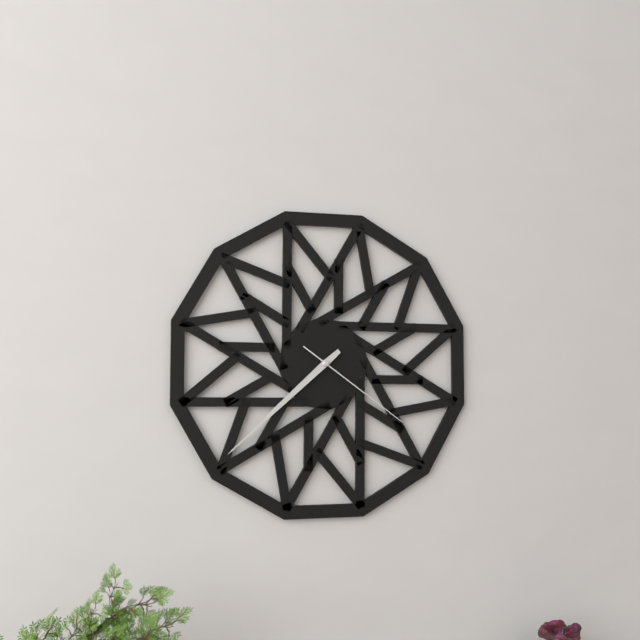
7,38,21
